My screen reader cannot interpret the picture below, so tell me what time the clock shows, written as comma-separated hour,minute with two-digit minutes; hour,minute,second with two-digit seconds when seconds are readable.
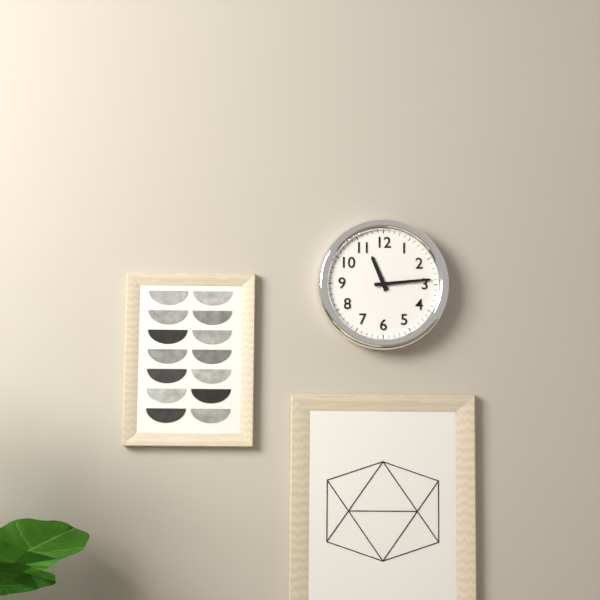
11,14
